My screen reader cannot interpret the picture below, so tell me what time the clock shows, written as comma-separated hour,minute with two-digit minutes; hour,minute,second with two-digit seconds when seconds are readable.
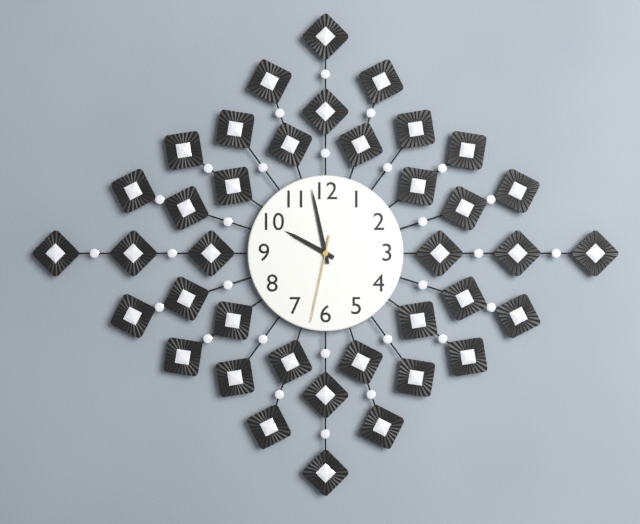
9,58,32
